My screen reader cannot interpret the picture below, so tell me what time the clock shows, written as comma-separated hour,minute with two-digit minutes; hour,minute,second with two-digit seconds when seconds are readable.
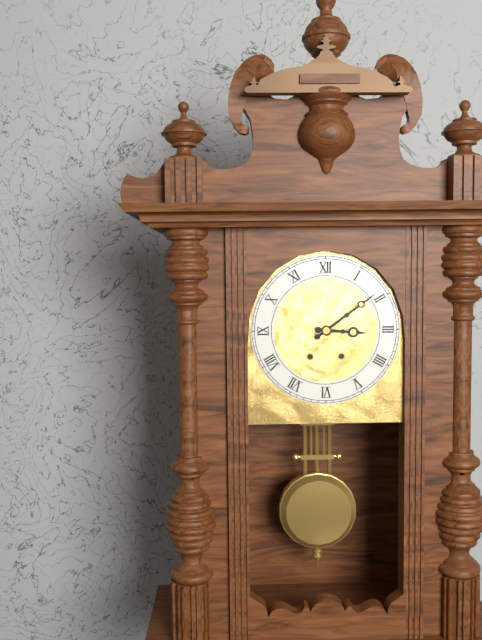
3,09
